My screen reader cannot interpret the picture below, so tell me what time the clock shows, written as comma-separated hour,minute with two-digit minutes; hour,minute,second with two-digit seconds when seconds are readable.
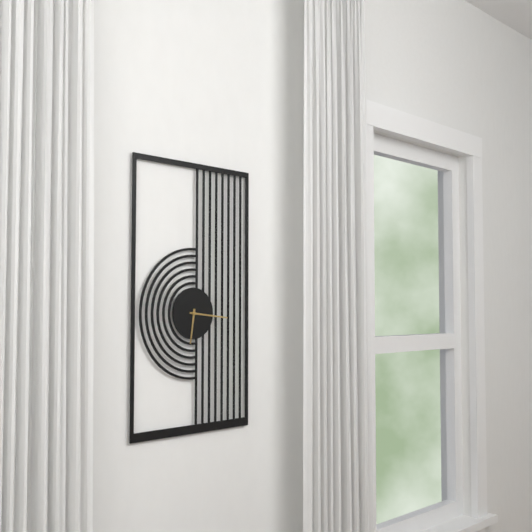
6,16
